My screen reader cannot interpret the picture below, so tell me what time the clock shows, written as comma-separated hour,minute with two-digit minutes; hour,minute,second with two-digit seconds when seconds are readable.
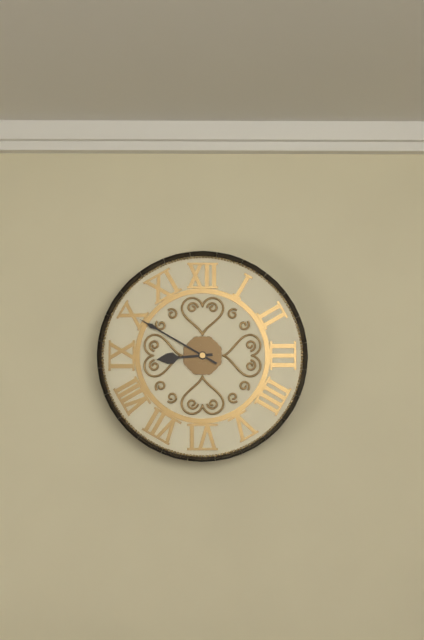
8,50
